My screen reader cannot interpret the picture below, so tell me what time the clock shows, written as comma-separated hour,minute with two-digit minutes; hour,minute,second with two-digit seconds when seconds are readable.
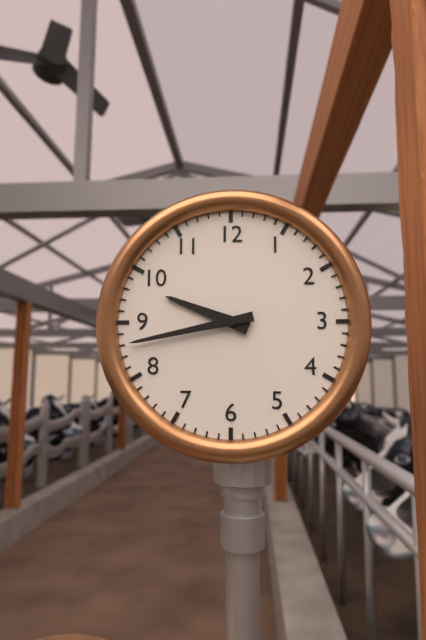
9,43
